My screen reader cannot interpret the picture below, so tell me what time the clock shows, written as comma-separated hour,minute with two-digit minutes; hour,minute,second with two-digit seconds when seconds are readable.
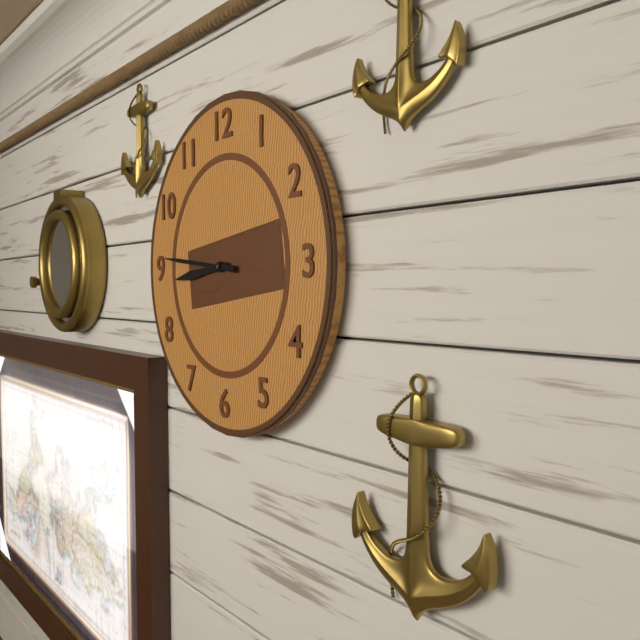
8,46
